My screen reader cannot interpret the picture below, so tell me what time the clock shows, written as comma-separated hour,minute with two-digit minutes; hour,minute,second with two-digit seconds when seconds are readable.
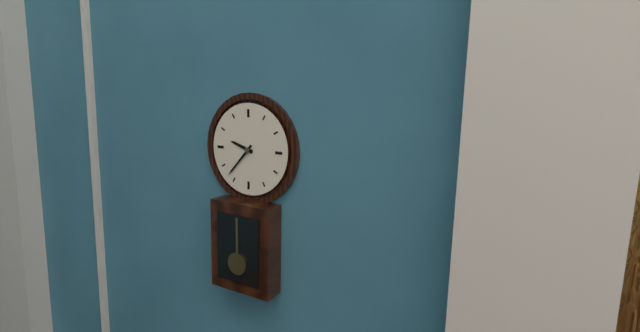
9,37
